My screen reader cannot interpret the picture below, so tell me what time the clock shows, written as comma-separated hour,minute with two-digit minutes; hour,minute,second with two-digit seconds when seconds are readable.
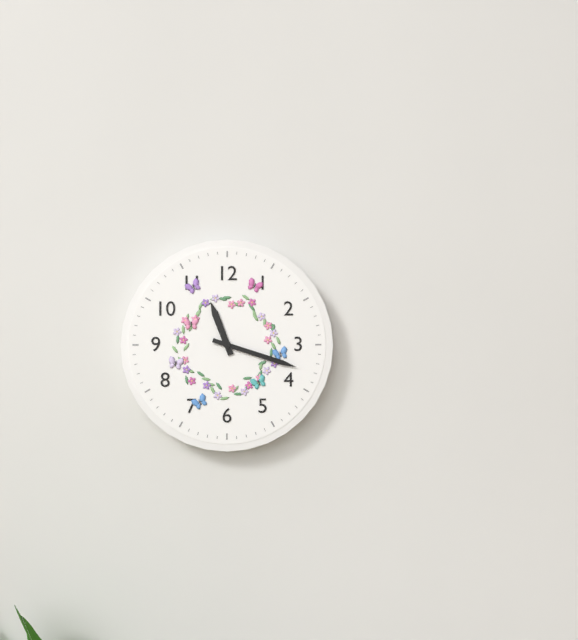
11,18
